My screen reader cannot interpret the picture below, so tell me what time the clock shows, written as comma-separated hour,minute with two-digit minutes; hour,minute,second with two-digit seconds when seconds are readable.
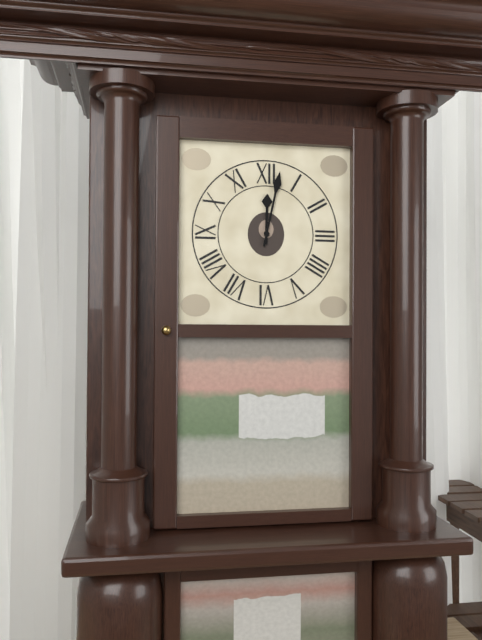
12,02
